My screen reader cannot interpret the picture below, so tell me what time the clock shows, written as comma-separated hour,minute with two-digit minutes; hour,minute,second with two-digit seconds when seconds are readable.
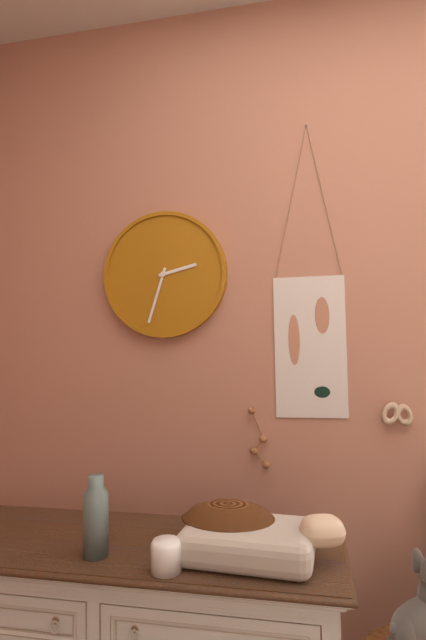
2,33
